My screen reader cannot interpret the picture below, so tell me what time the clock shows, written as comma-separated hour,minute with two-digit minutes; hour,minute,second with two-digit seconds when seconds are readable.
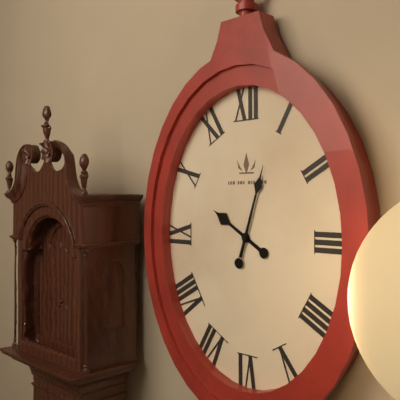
10,03
